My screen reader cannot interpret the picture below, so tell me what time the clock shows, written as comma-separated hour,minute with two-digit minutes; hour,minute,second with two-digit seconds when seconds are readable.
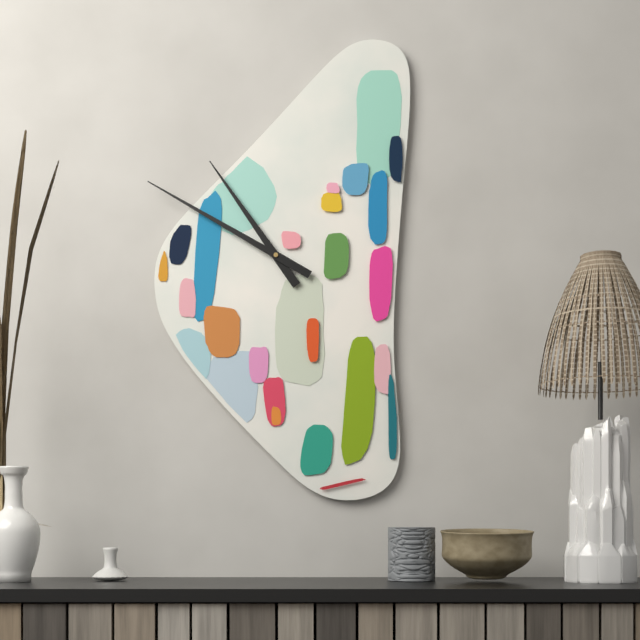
10,50
